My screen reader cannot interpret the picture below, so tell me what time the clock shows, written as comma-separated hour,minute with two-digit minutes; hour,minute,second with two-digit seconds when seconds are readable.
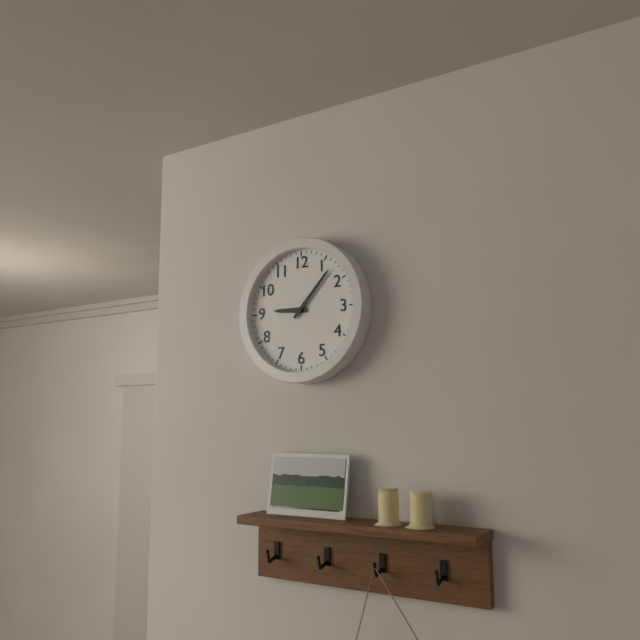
9,07
